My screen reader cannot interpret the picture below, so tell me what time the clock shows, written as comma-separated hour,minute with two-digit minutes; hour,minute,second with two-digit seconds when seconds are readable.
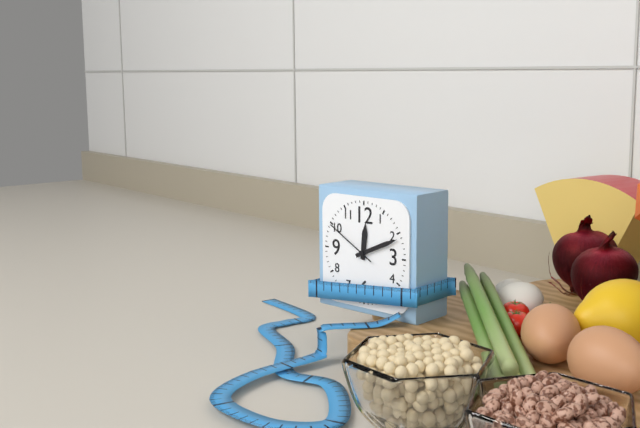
12,11,50
